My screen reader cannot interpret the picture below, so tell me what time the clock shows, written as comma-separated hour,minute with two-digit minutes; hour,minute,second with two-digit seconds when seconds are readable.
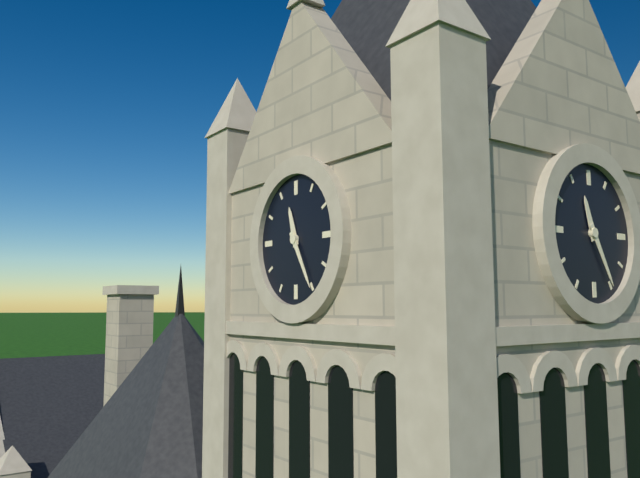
11,25
